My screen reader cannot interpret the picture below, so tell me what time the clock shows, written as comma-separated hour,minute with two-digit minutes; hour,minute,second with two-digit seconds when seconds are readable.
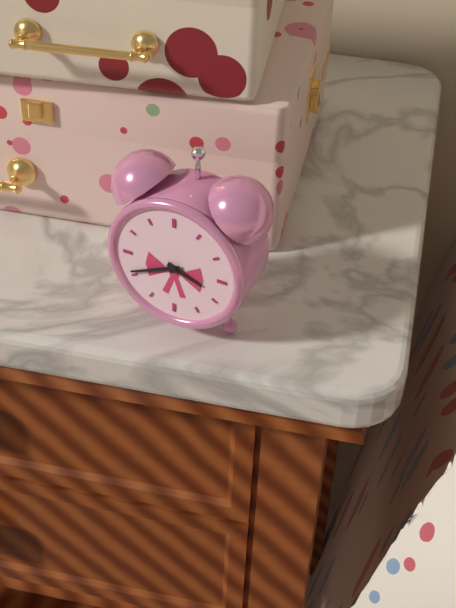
3,41
